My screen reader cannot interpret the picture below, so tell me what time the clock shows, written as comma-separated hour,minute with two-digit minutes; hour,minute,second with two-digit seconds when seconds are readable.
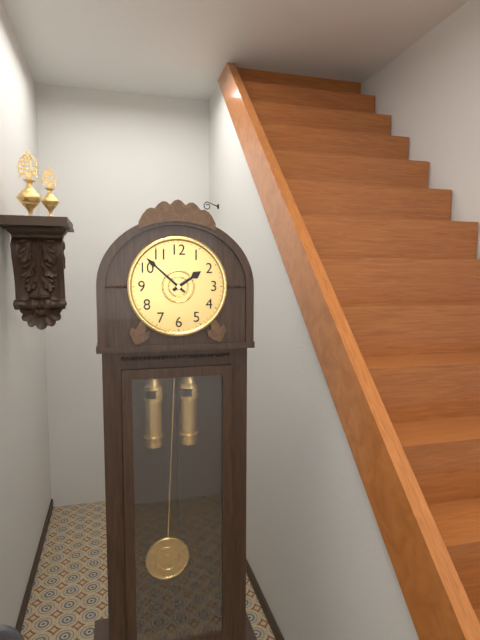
1,52
